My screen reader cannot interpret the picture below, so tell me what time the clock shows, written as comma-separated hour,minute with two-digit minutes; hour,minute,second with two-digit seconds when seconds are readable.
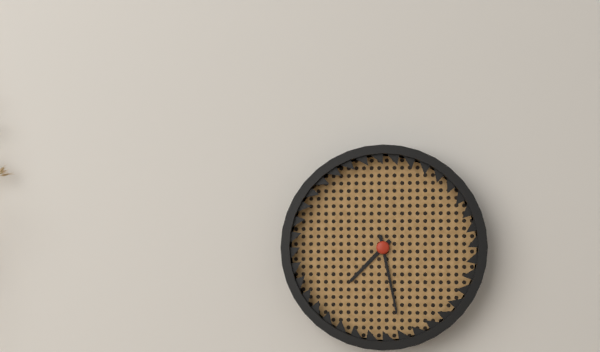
7,28
